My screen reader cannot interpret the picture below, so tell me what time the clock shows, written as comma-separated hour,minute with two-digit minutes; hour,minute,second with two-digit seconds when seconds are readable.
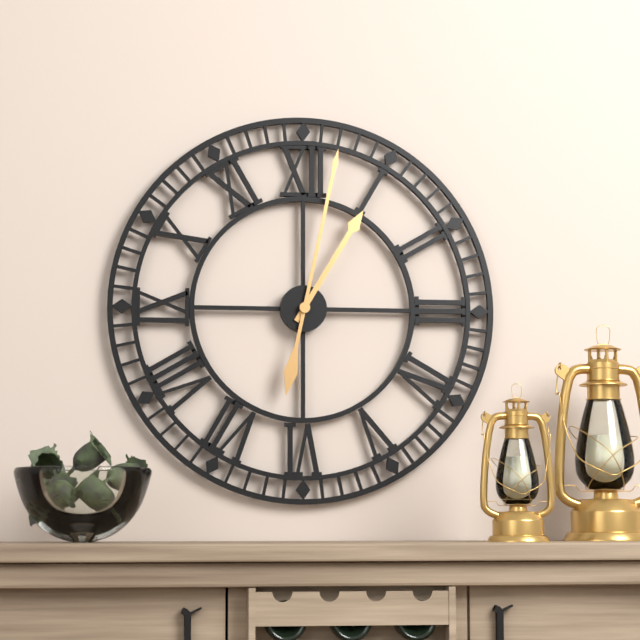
1,02
